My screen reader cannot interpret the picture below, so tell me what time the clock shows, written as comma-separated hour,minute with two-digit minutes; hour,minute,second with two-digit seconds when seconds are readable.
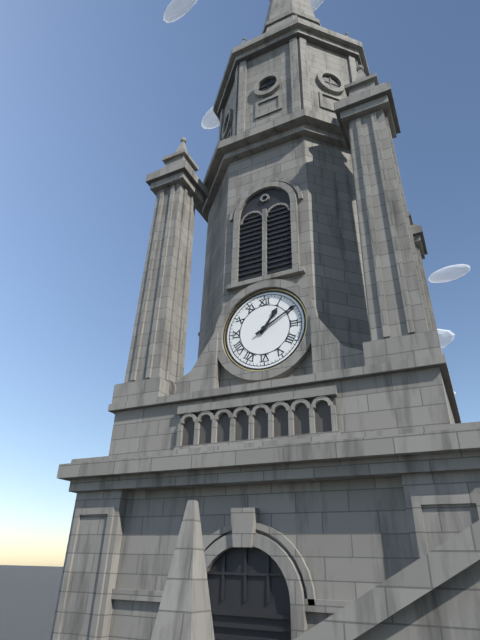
1,10
